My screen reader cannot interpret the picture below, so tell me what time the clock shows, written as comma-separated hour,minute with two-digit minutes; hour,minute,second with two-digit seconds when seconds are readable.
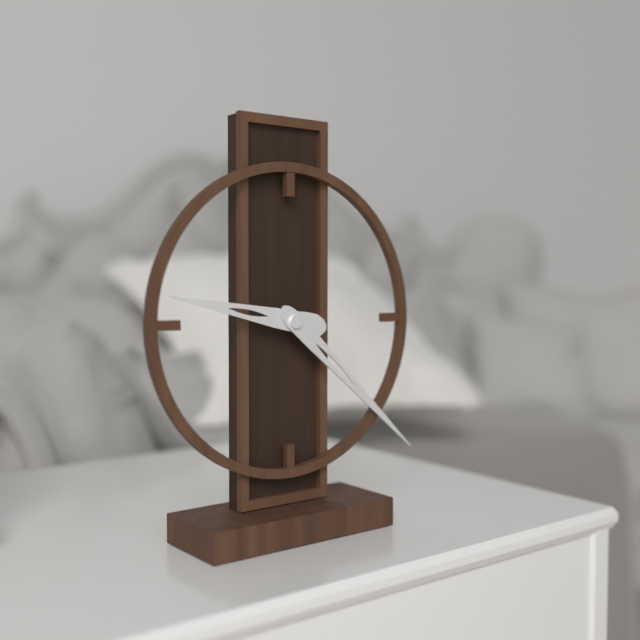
9,22
